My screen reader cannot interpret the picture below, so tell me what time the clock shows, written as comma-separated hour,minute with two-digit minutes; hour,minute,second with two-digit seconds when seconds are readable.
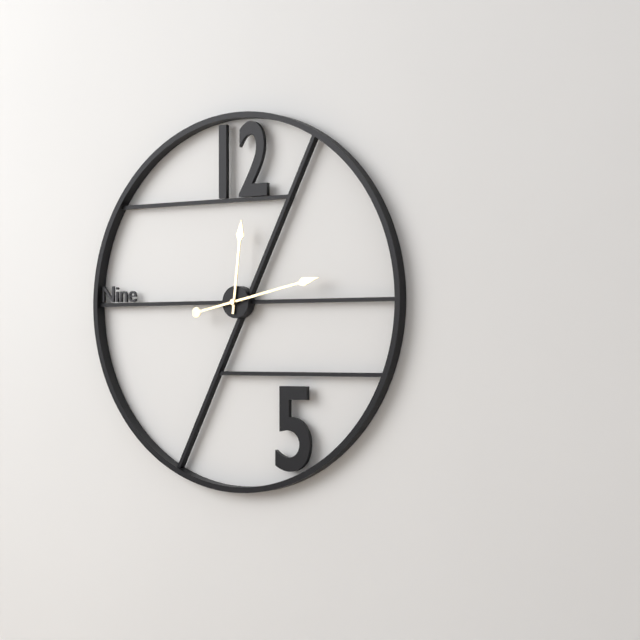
12,13
